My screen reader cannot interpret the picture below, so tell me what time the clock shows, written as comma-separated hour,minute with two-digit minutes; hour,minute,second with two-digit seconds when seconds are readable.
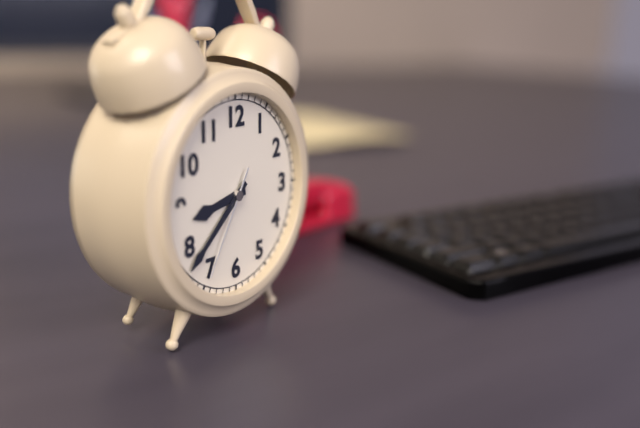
8,38,35
